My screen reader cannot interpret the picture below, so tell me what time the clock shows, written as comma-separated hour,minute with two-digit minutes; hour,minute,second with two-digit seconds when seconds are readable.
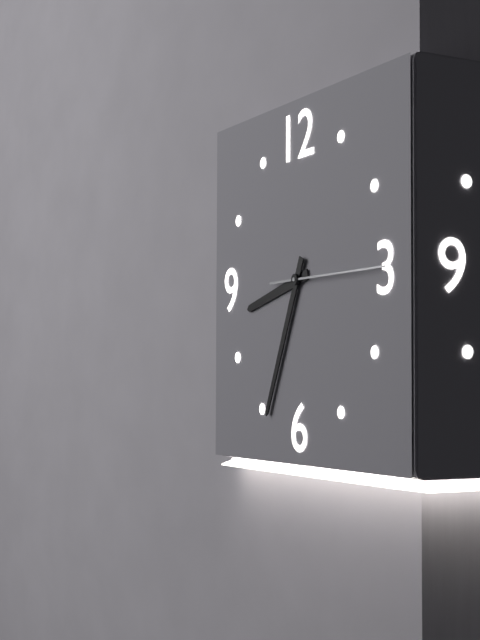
8,34,15
